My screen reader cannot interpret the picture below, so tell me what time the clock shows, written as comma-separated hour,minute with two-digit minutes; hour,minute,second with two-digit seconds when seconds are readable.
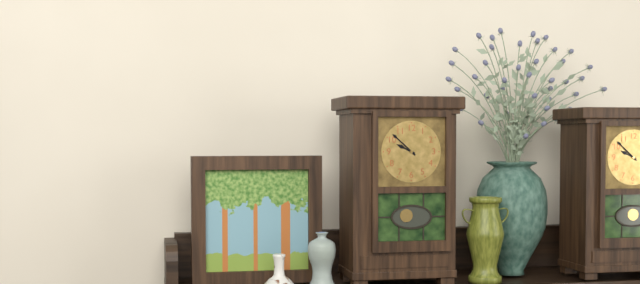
9,52
